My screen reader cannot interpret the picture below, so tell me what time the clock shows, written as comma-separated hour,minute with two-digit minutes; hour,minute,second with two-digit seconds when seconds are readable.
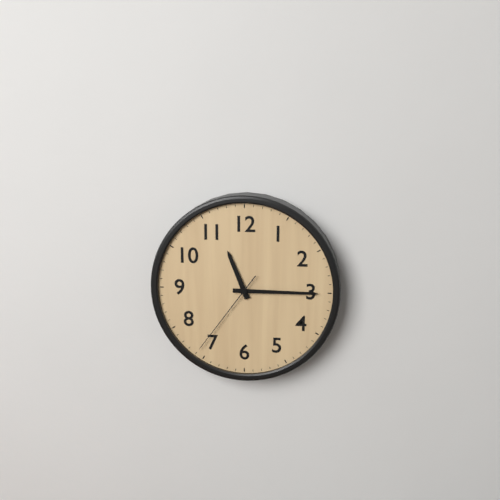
11,15,36
